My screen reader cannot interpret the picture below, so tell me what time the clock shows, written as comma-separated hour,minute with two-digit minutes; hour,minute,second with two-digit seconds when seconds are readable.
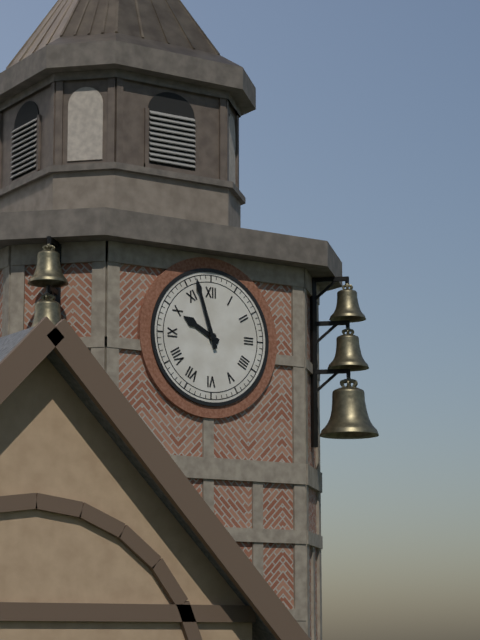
9,57
